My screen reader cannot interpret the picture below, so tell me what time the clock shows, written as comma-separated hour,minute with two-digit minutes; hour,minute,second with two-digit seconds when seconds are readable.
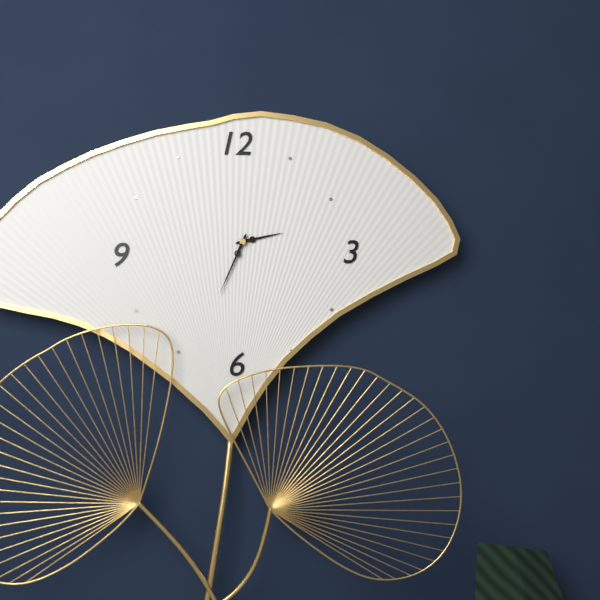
2,34
